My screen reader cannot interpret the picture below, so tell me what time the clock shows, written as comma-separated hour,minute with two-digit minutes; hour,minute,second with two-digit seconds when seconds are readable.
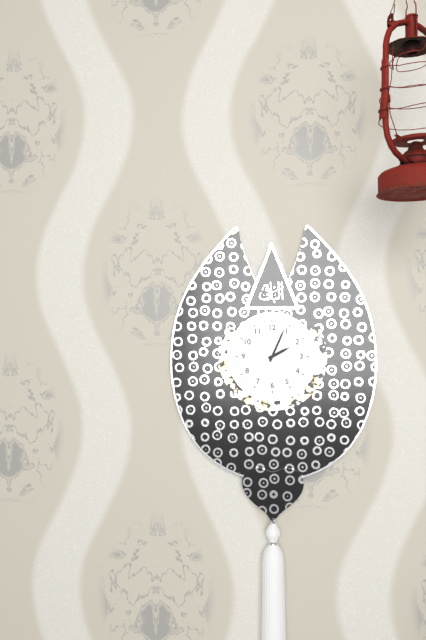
2,04
